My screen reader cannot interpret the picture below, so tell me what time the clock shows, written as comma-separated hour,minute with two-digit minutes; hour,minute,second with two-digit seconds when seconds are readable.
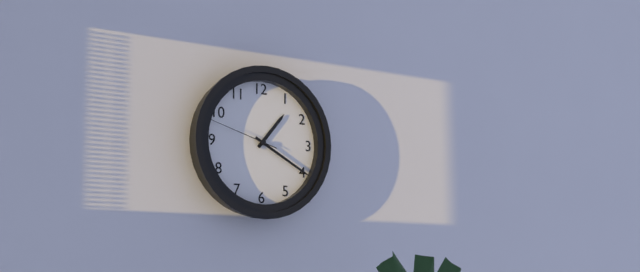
1,20,48
